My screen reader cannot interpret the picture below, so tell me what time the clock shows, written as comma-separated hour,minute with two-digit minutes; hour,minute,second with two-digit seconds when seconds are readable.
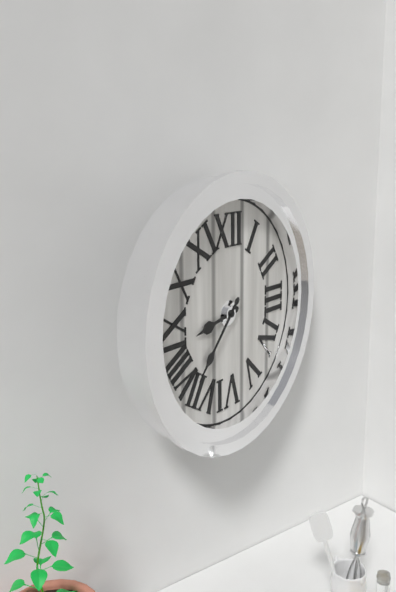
8,37
